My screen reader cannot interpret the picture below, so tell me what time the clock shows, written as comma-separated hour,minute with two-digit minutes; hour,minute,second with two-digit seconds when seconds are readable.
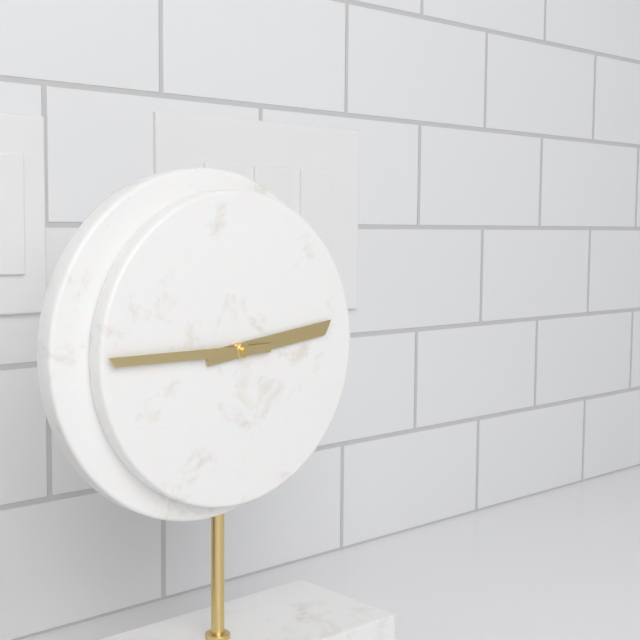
2,45
